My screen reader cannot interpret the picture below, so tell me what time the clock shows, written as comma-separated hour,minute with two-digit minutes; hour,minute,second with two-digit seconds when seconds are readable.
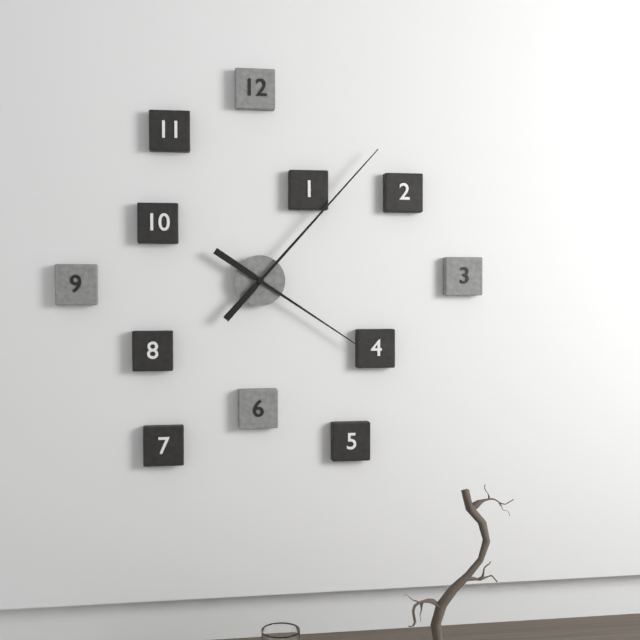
4,07
